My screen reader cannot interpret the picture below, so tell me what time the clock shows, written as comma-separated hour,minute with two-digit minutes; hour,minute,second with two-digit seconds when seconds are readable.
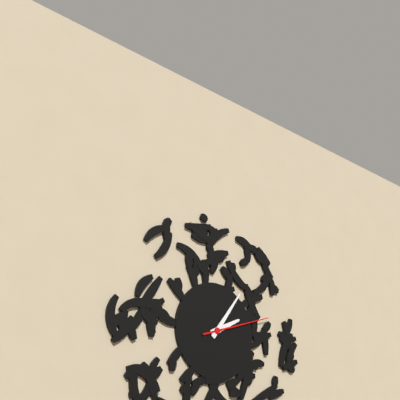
2,06,12
